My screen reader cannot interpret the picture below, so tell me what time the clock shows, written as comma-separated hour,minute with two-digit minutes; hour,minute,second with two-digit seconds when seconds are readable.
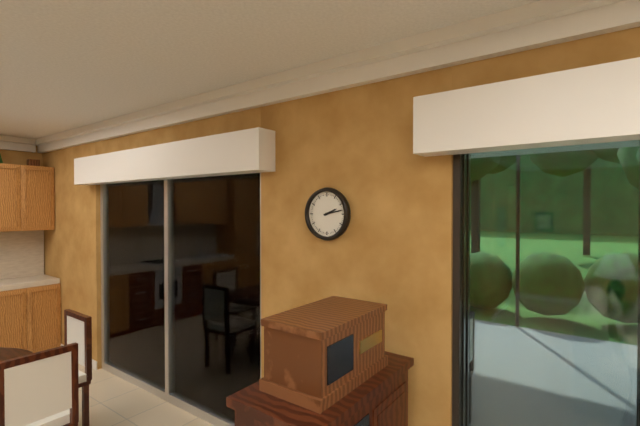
2,13
